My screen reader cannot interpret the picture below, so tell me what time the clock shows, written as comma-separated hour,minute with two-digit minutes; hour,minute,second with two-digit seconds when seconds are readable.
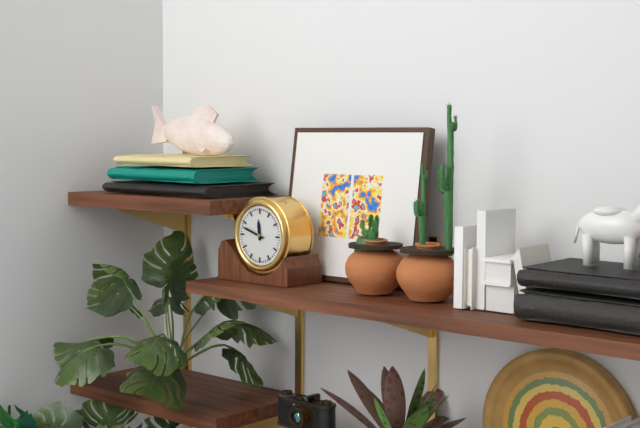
11,48
